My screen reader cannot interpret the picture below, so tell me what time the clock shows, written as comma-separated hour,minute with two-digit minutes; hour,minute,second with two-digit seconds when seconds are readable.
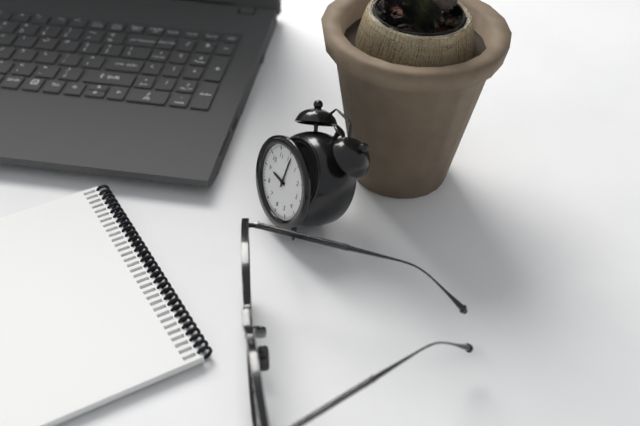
9,01
